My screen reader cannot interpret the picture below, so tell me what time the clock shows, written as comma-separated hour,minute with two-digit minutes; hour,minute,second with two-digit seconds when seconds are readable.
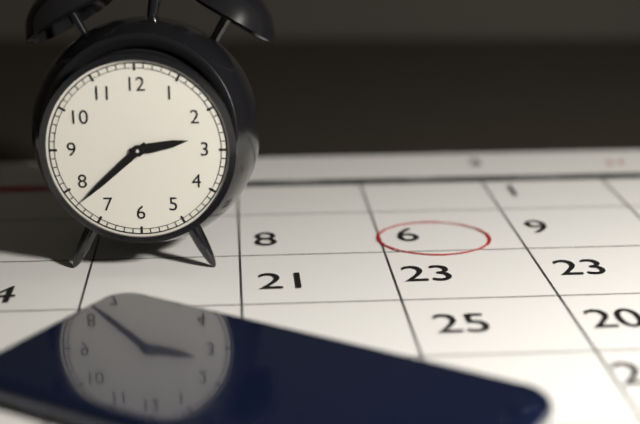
2,38
